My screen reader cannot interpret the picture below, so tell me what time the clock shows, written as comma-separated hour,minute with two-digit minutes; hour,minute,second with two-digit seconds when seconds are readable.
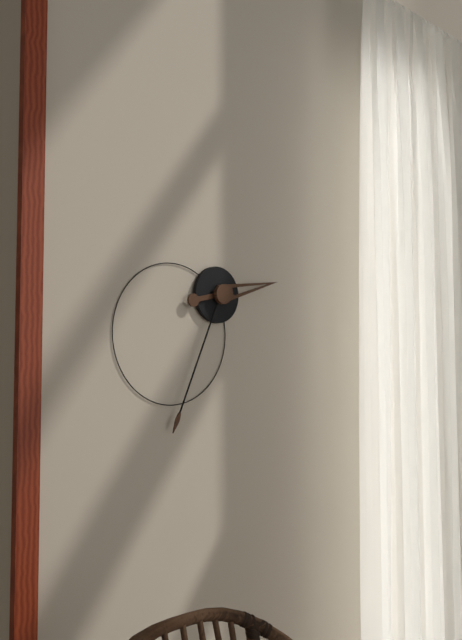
2,34
